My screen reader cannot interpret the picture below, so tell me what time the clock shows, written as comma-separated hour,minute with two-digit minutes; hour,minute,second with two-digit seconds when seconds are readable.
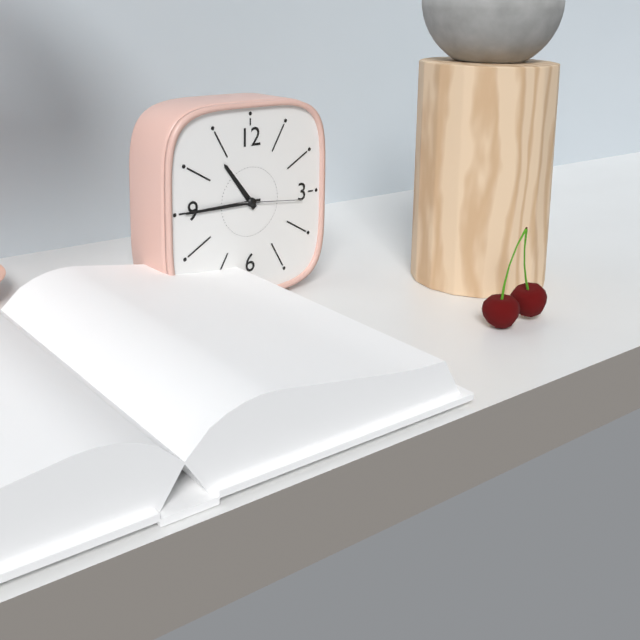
10,45,16
